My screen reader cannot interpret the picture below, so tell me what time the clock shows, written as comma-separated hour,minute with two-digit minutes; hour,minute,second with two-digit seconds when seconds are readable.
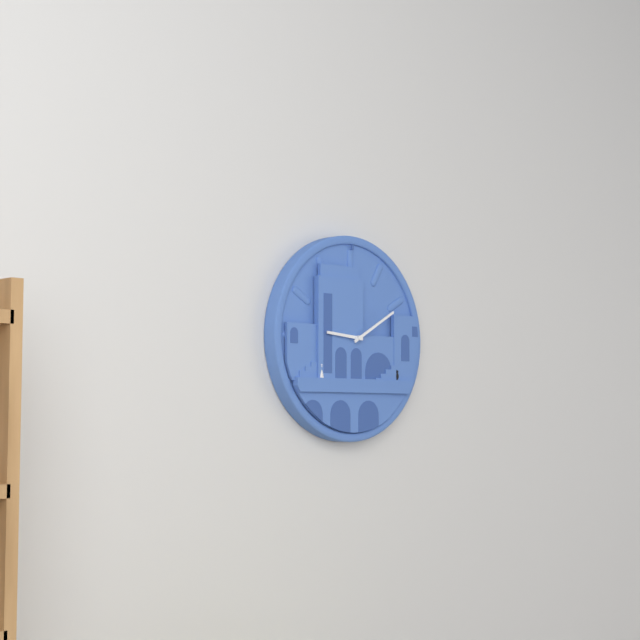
9,10
